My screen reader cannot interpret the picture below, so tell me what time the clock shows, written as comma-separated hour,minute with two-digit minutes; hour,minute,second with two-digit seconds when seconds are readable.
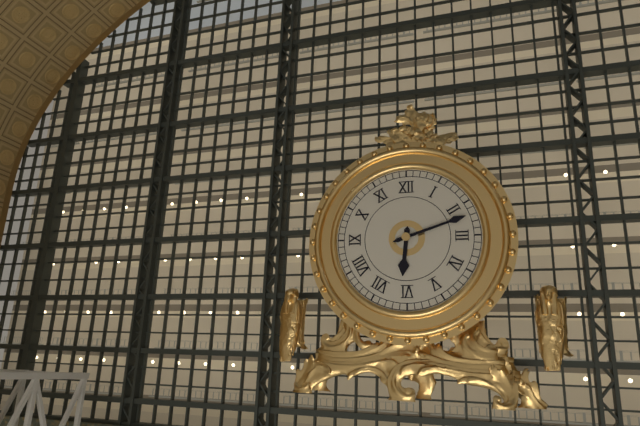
6,12
